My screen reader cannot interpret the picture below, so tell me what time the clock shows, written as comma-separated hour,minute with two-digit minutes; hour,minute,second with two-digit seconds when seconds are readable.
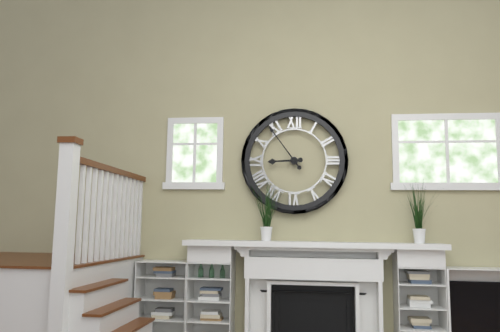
8,54
